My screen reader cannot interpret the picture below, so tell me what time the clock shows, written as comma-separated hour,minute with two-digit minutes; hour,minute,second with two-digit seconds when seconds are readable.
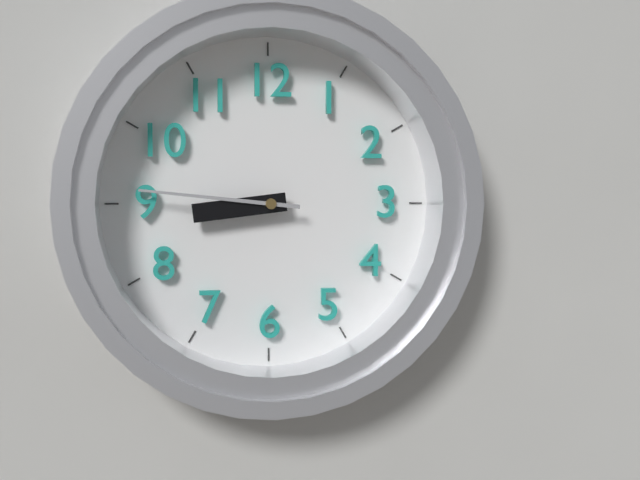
8,46
